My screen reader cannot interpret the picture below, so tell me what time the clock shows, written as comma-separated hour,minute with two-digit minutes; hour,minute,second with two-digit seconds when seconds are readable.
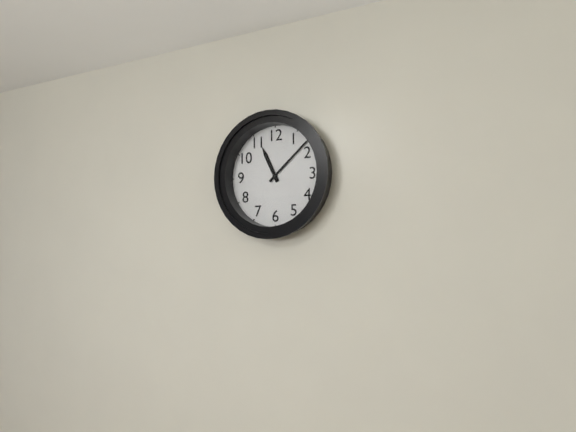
11,08
